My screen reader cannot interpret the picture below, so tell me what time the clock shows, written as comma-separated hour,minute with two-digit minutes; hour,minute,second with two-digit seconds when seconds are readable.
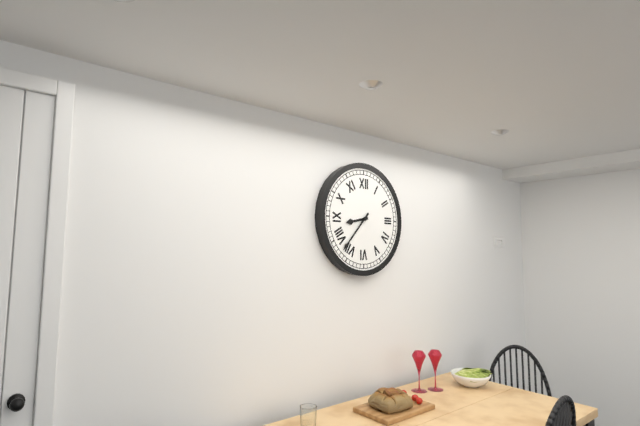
8,37
